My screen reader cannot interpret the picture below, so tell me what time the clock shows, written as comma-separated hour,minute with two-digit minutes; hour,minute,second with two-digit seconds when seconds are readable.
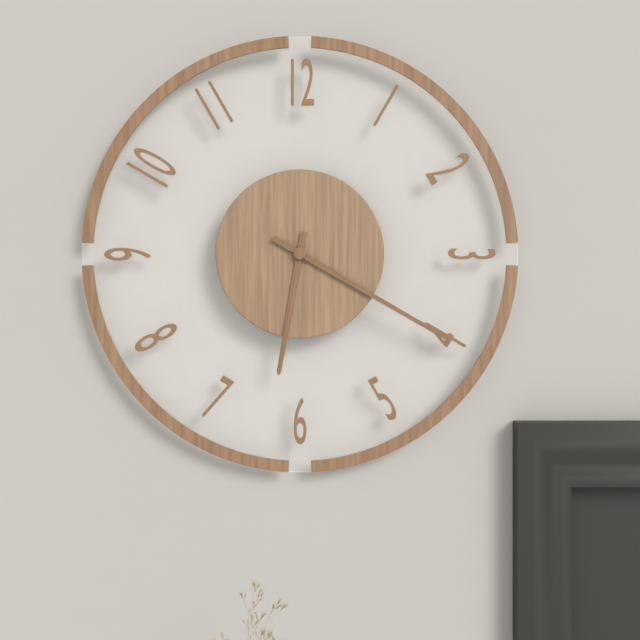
6,20
